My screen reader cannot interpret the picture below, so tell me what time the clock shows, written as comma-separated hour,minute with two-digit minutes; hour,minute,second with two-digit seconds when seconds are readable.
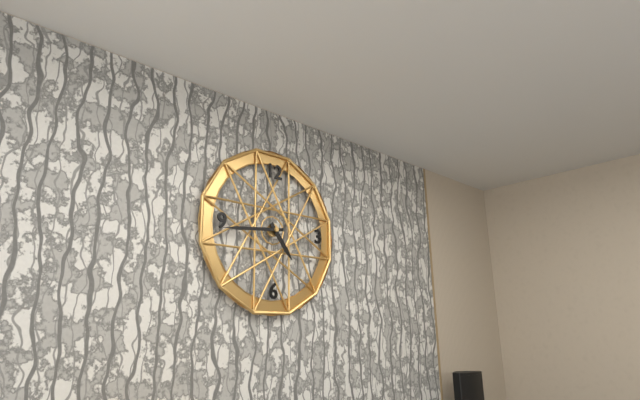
4,44
